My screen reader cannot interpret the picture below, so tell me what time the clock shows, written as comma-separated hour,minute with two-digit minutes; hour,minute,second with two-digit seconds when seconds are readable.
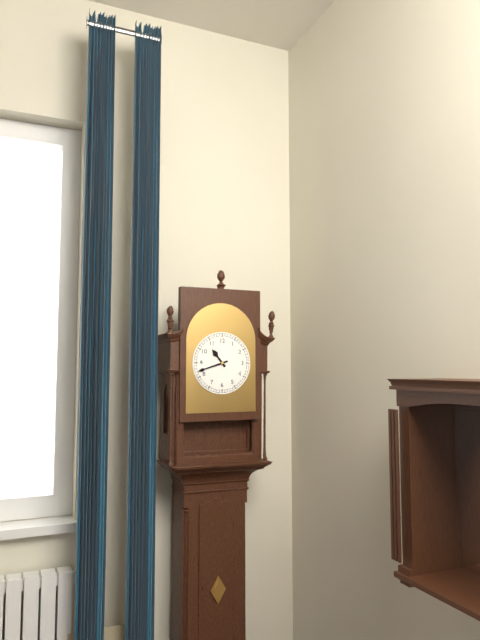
10,42
